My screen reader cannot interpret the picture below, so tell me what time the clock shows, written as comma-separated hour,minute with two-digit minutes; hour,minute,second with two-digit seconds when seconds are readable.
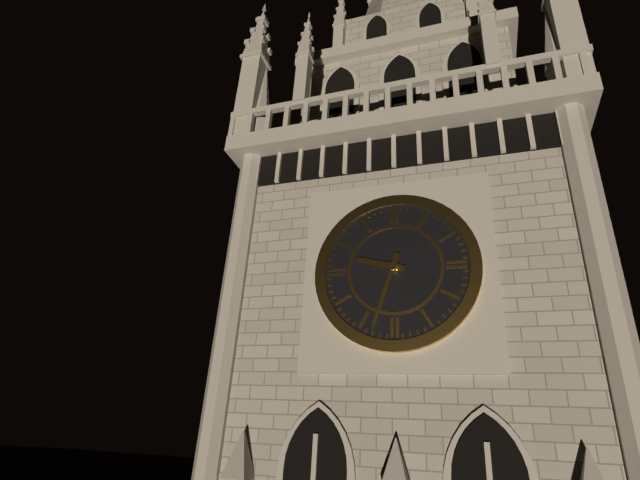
9,33
